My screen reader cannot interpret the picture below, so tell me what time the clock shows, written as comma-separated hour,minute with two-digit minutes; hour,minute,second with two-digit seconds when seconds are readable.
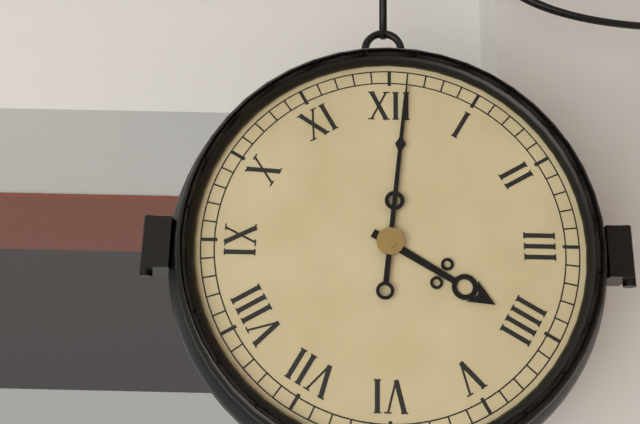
4,01
